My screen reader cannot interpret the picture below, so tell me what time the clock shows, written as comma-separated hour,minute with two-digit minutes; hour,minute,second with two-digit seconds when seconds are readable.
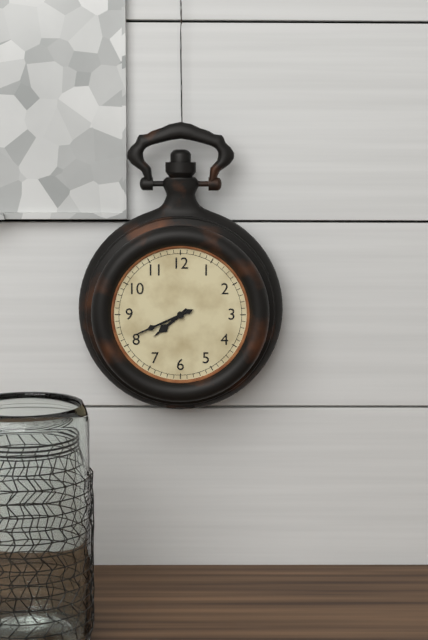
7,41
